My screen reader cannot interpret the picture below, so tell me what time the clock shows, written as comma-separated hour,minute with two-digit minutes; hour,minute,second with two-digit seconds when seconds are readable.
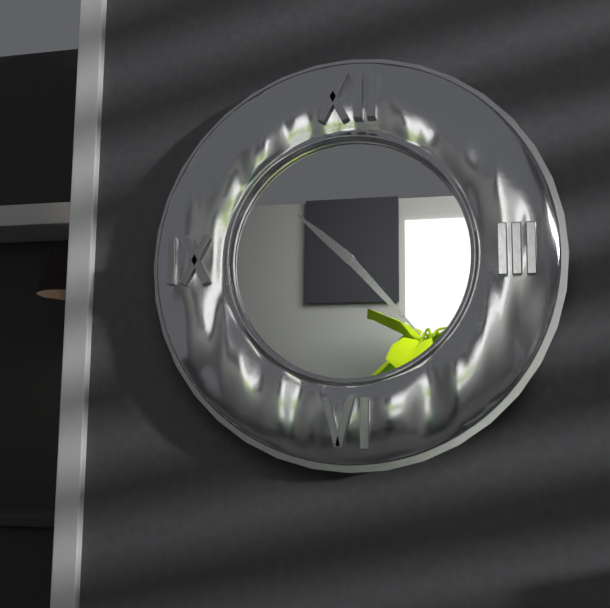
10,23
